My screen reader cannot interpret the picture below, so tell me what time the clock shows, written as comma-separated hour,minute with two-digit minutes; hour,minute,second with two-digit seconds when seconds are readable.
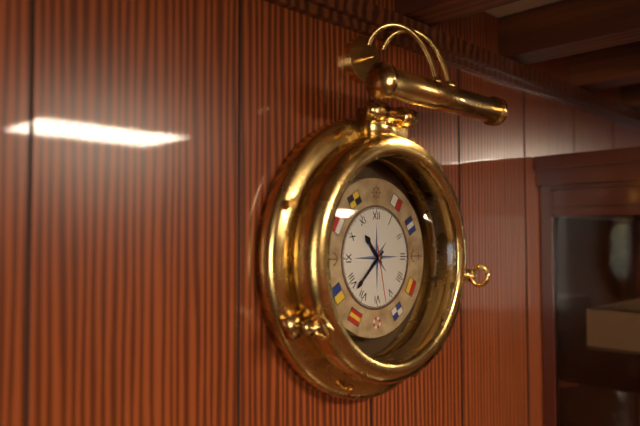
10,38,28
